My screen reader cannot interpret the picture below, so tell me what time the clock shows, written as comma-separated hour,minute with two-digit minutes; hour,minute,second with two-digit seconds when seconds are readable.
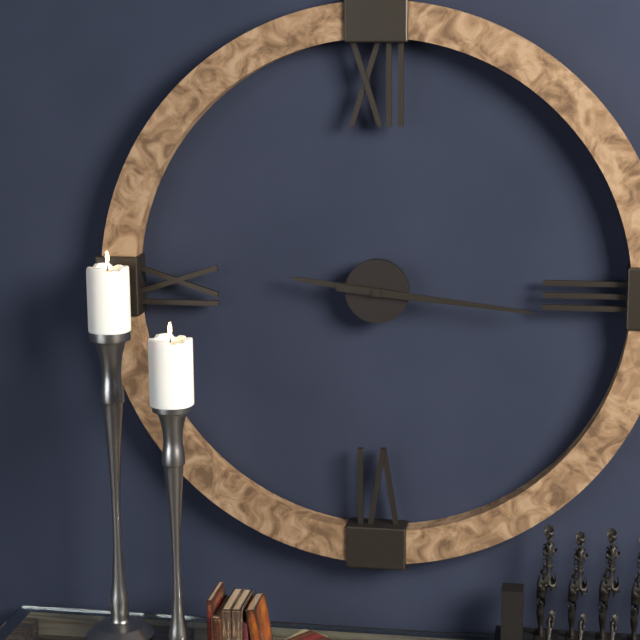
9,16
